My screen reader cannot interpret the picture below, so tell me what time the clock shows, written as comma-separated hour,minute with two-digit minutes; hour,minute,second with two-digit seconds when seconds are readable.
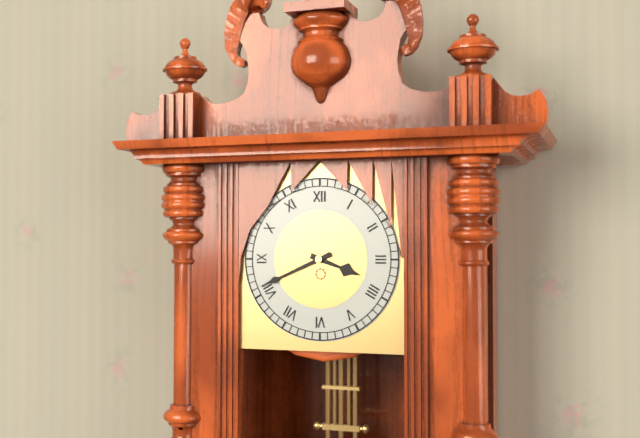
3,41
